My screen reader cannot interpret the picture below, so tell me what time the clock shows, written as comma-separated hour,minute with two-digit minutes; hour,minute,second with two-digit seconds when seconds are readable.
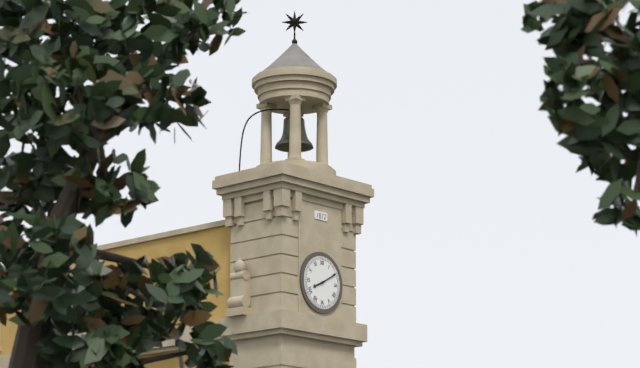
8,10
